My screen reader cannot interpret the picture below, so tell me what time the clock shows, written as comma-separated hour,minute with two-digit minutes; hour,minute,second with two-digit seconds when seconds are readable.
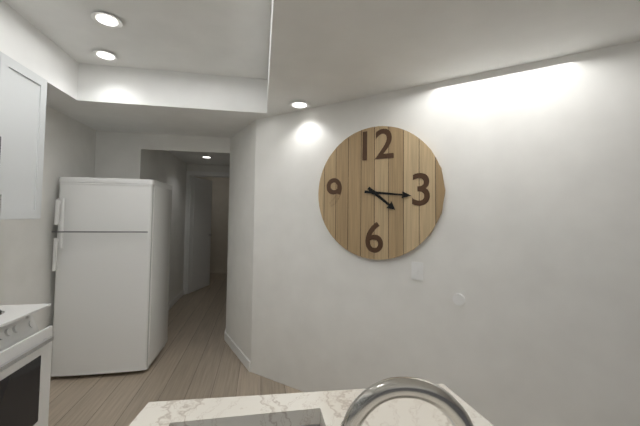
4,16
